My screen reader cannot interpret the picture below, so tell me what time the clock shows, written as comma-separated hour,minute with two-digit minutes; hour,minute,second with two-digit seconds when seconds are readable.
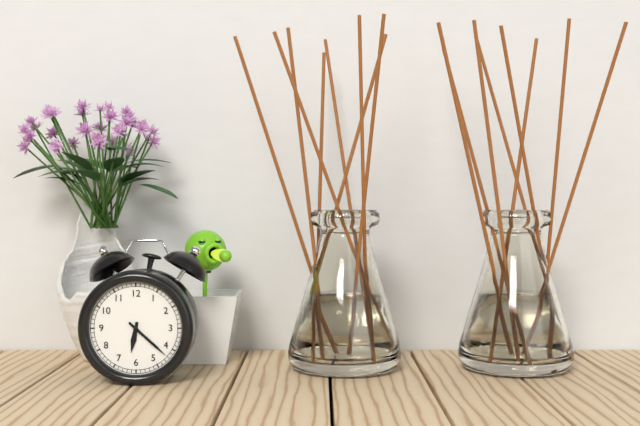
6,22
